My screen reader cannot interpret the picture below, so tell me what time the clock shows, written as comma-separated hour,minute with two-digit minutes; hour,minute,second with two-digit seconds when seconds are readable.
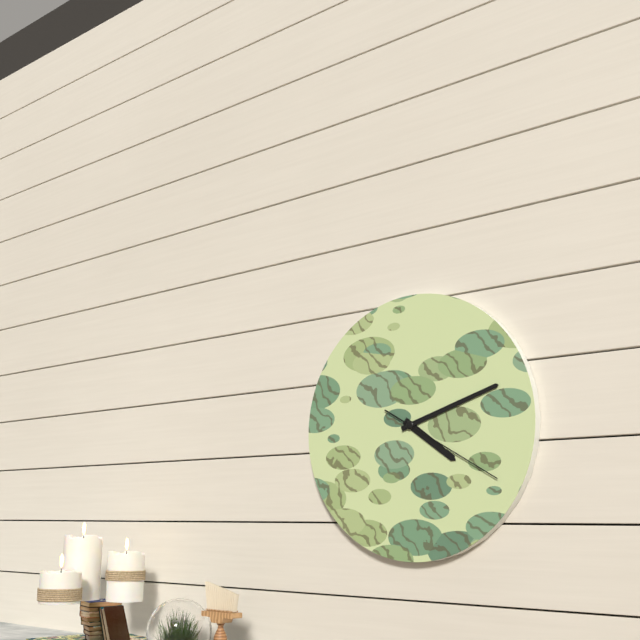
4,12,20
